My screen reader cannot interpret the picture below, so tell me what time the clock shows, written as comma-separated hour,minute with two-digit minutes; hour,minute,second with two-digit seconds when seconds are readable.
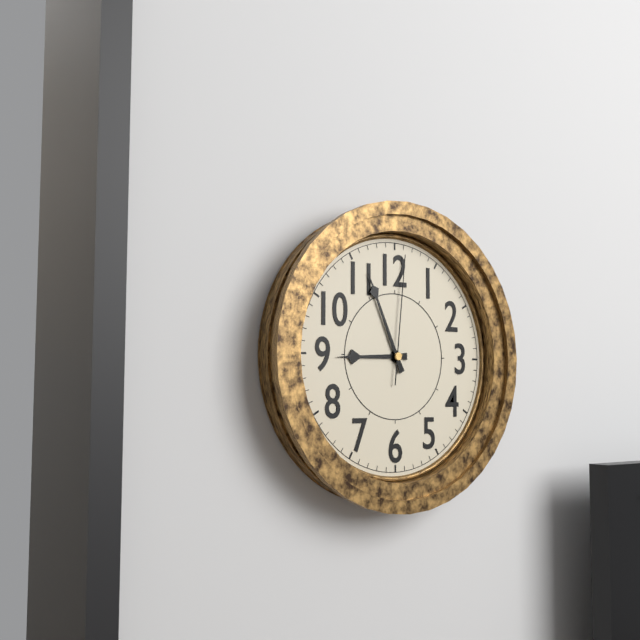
8,56,01
